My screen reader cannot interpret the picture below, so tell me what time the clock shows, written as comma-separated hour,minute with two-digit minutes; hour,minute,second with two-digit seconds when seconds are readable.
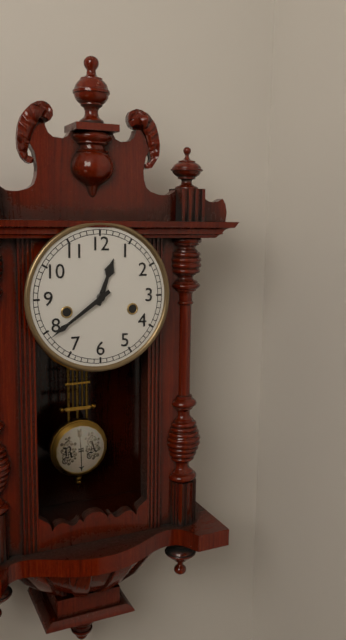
12,39
